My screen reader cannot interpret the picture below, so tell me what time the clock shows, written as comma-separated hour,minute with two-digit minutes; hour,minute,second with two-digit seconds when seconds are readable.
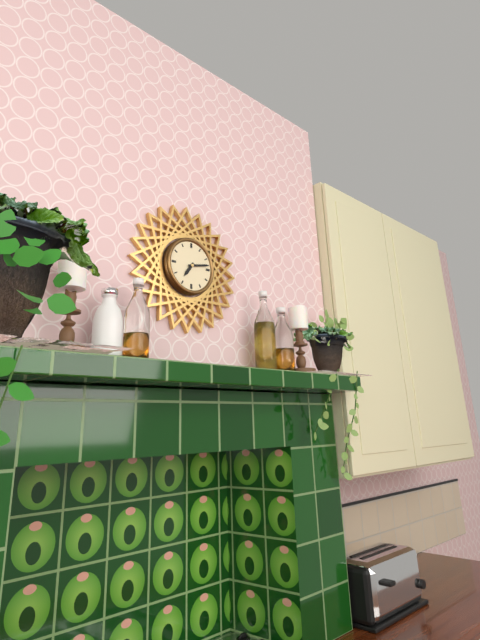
7,13
